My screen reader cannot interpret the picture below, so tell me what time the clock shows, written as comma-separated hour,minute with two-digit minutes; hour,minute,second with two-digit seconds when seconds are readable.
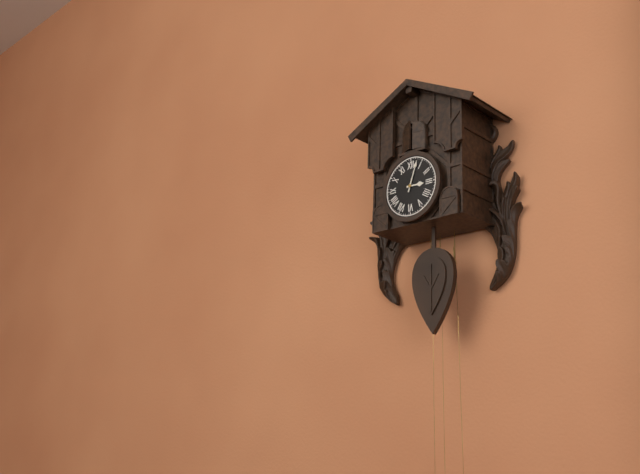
3,03
